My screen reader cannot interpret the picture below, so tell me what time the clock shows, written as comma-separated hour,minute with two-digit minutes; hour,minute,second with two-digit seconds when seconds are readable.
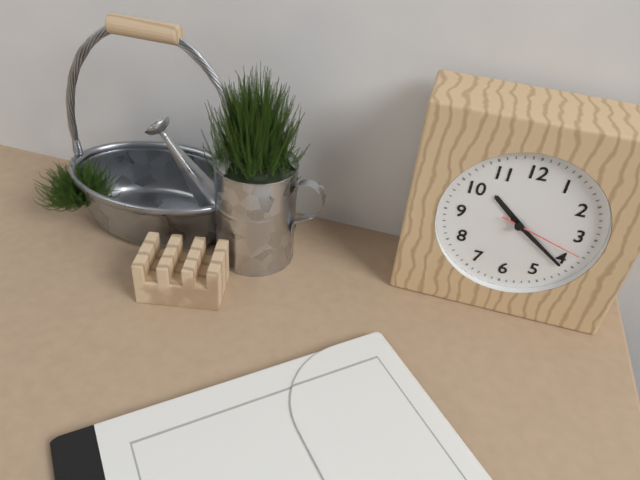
10,21,18
